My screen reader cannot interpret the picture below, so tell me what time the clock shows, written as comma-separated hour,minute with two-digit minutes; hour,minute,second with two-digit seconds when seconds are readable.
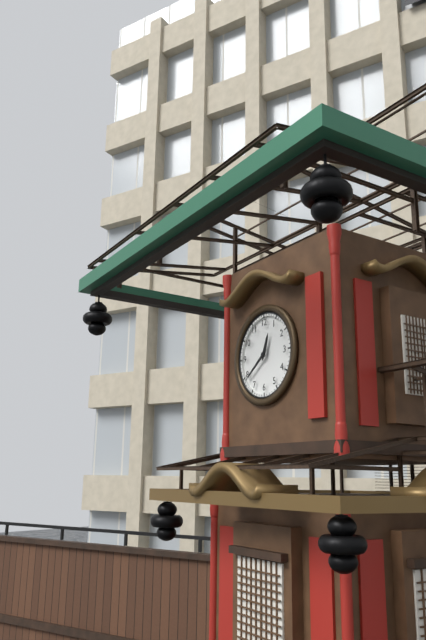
12,39
